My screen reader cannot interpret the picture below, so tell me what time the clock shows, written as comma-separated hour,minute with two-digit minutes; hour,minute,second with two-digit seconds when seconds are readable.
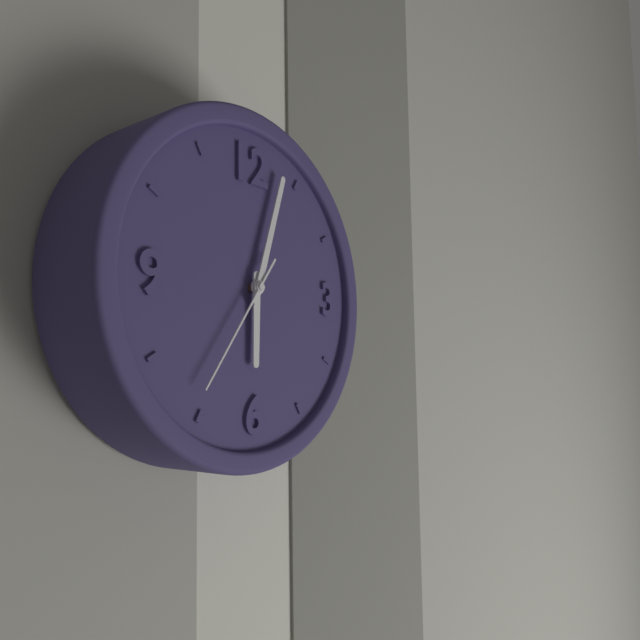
6,03,36
